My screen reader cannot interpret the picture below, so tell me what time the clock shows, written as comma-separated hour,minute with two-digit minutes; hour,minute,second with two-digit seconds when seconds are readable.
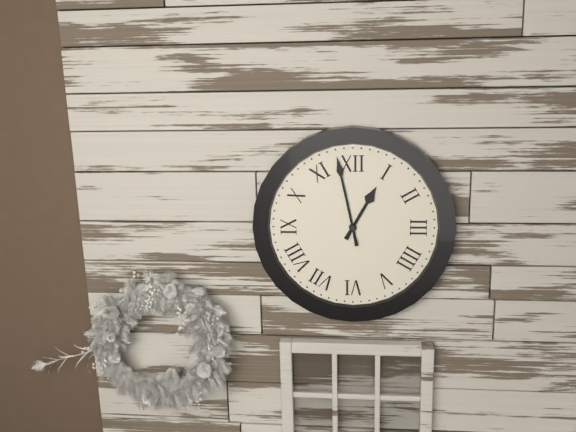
12,58
